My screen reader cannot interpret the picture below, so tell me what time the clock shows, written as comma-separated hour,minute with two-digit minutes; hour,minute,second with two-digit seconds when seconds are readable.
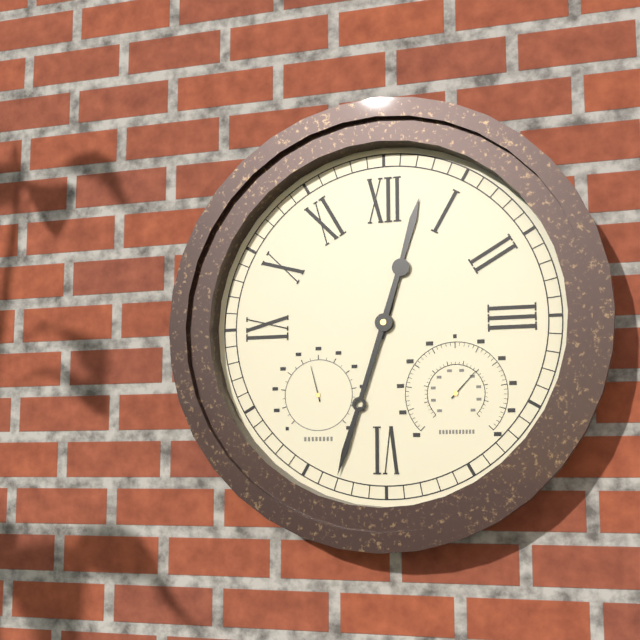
12,33
